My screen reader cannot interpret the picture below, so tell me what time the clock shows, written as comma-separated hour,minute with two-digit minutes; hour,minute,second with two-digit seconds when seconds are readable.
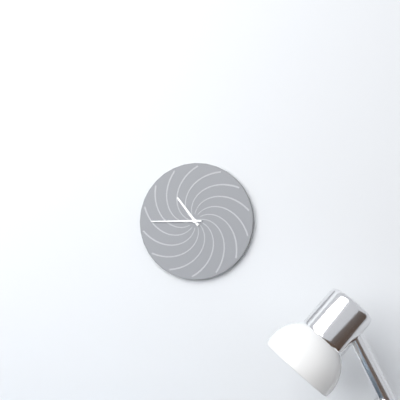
10,45
